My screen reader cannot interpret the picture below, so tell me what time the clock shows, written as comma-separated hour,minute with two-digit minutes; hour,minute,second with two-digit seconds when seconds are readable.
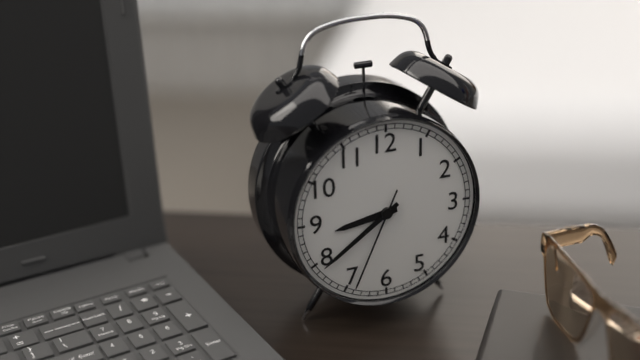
8,39,34
